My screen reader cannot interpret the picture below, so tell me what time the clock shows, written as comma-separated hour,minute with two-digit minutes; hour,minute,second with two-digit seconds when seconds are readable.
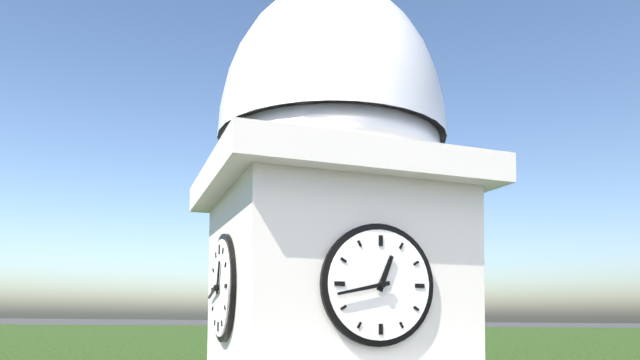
12,43
